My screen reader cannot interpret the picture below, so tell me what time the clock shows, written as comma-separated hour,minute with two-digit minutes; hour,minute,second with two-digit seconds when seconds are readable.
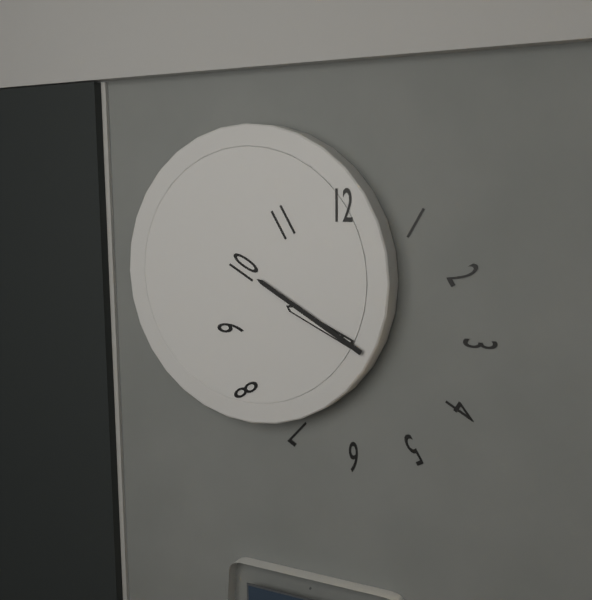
9,50
